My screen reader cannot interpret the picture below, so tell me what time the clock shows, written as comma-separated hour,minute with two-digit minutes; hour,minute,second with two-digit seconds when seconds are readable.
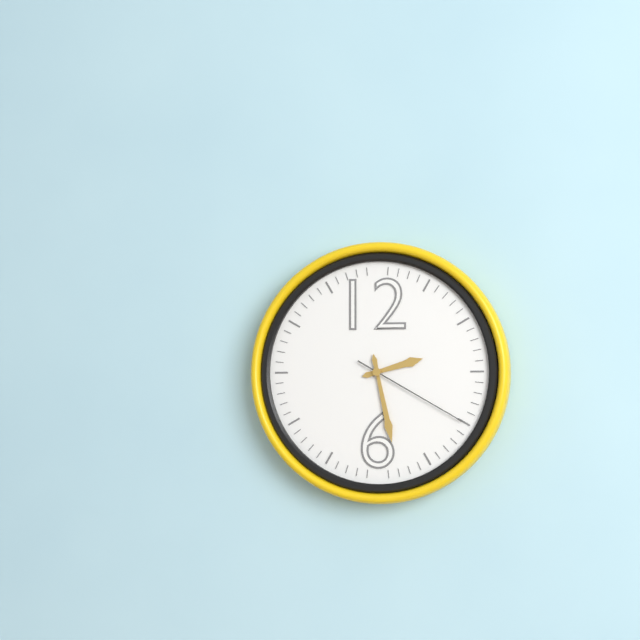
2,28,20
